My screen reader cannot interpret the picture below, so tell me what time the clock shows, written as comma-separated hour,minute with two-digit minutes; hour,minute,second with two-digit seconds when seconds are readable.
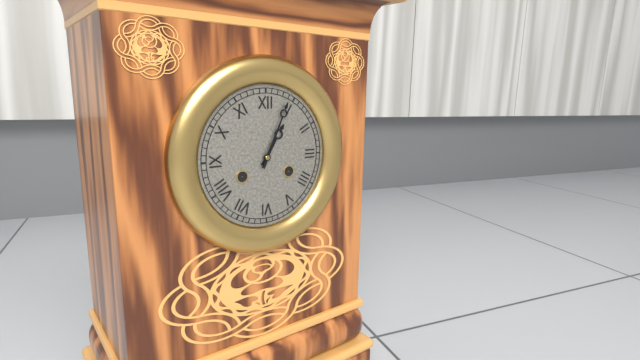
1,04
